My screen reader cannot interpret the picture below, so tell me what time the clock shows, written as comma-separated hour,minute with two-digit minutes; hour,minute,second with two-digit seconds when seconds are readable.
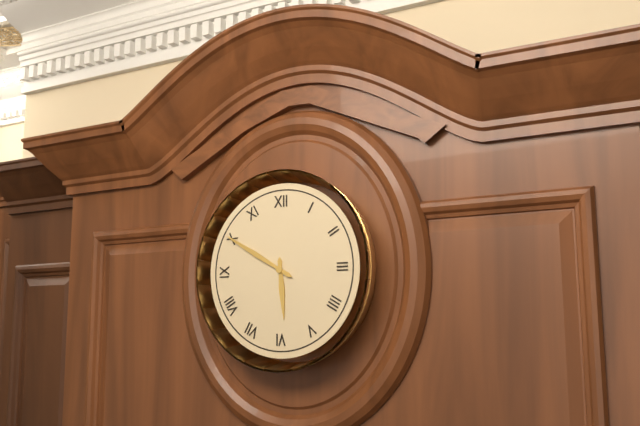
5,50
